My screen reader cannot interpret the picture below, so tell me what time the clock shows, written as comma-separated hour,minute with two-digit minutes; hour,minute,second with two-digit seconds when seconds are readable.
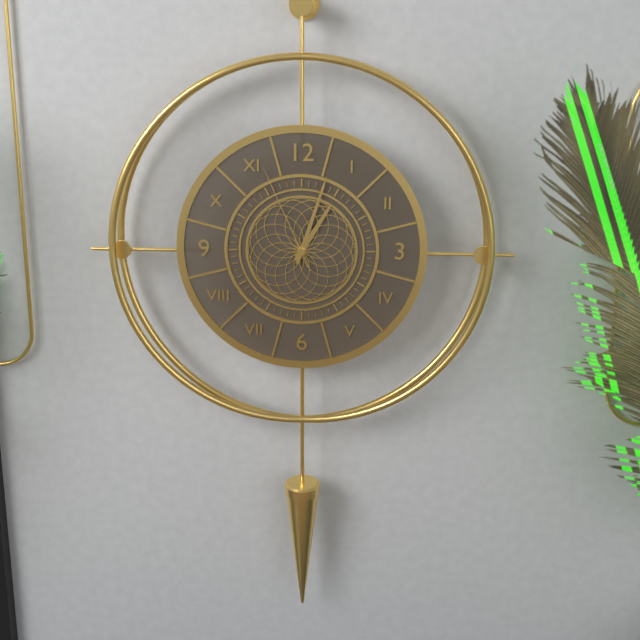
1,03,56
